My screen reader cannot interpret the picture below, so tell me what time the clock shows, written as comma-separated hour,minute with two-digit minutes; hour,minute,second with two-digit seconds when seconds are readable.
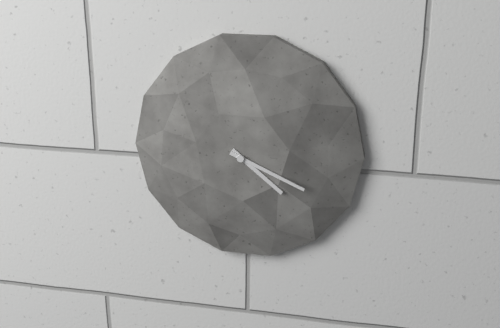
4,19
